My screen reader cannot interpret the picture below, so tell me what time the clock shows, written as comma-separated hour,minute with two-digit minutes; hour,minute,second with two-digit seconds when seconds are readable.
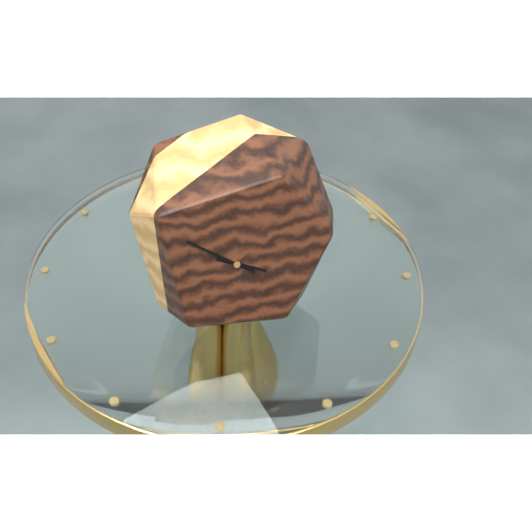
3,51
